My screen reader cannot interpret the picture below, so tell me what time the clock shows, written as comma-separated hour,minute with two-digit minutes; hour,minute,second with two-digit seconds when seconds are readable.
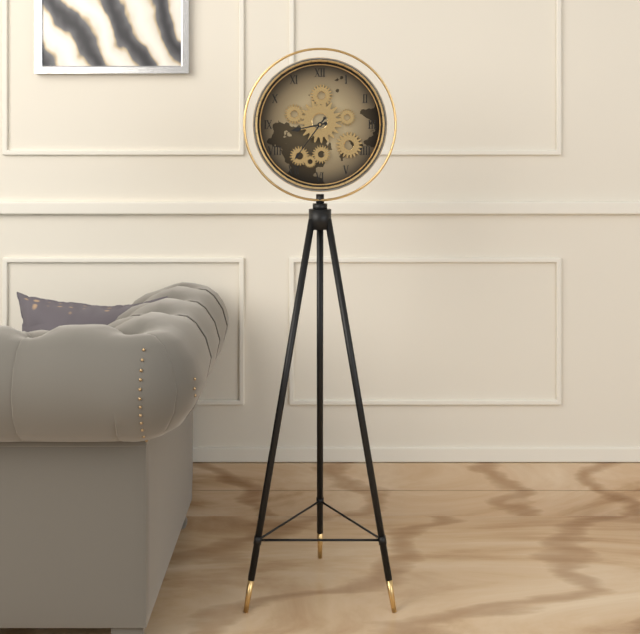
8,36
